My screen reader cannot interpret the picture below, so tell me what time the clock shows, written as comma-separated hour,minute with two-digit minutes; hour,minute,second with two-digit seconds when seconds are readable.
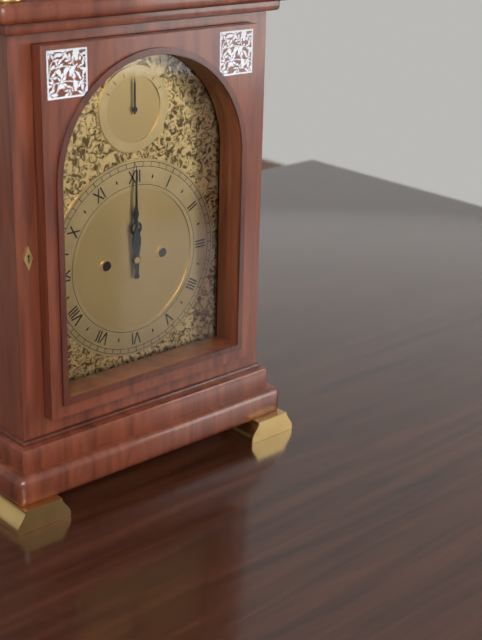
12,00
